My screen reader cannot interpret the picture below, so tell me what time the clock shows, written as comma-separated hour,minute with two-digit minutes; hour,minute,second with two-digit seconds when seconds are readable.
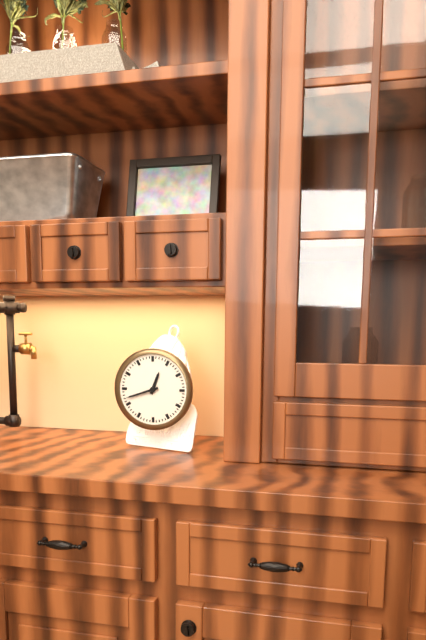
12,42
